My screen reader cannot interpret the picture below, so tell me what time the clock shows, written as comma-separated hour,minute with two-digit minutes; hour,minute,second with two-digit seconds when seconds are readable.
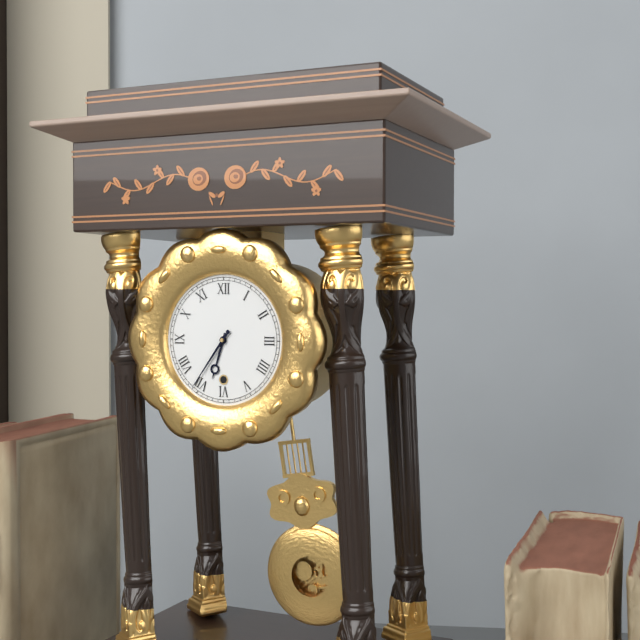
6,36
